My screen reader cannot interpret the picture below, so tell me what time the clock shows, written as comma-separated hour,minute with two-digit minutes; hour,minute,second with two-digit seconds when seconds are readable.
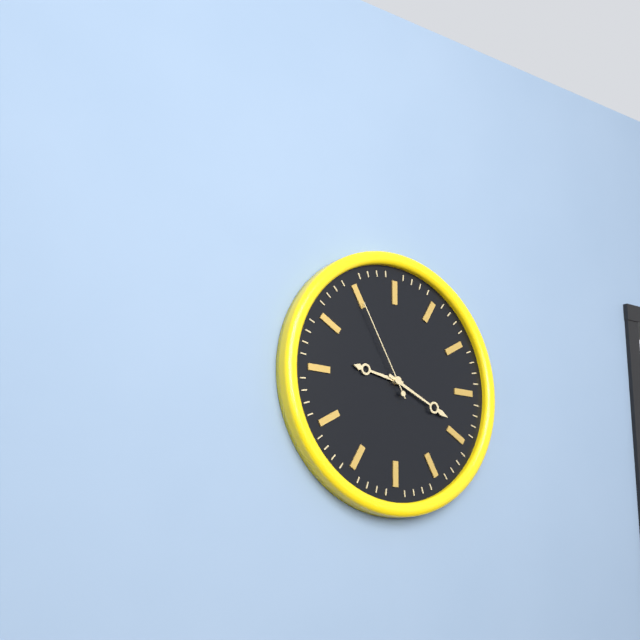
9,19,55
